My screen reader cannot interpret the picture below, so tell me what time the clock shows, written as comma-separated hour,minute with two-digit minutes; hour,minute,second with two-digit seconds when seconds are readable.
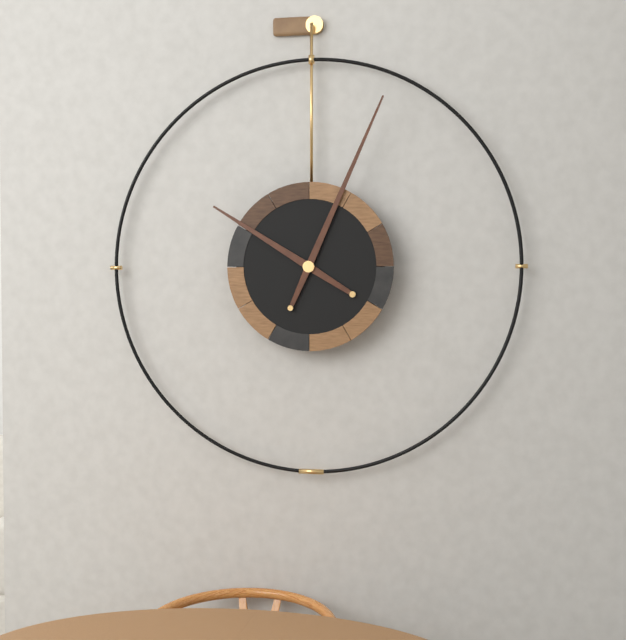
10,04
